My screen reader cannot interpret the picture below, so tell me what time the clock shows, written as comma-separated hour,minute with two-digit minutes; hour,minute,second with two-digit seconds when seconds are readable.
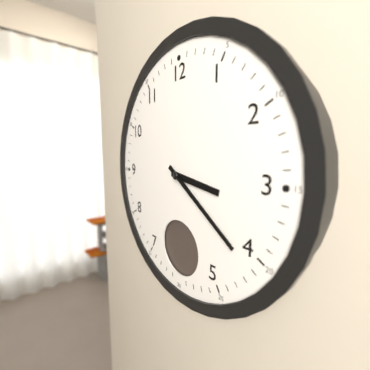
3,21
